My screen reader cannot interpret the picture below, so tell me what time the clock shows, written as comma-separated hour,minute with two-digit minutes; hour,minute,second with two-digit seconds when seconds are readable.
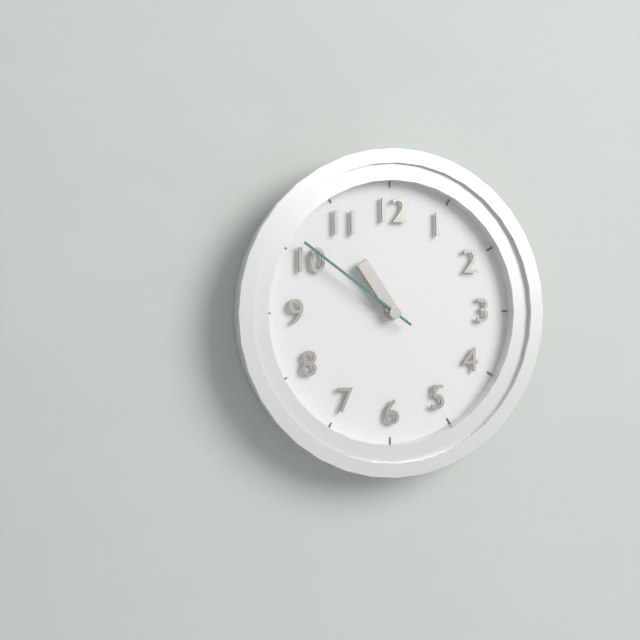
10,51
